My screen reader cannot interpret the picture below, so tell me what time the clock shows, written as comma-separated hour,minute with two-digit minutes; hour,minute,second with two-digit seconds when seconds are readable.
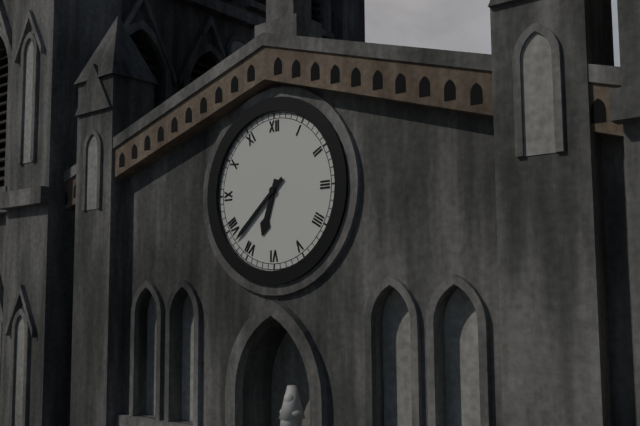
6,38
